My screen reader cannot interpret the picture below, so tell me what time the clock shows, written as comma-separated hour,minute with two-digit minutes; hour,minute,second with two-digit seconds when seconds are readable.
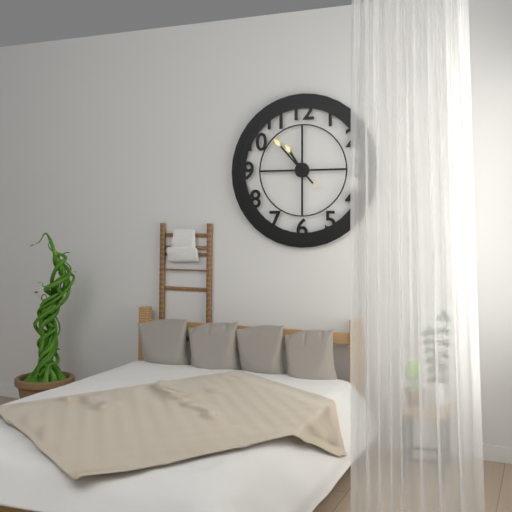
10,53
